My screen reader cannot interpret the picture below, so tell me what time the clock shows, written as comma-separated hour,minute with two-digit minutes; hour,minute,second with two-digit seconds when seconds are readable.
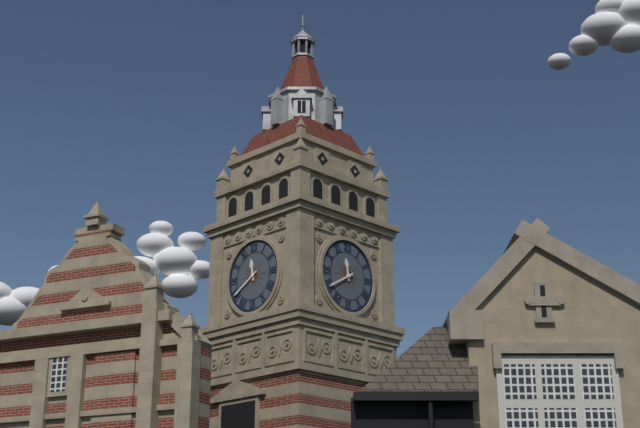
11,40
